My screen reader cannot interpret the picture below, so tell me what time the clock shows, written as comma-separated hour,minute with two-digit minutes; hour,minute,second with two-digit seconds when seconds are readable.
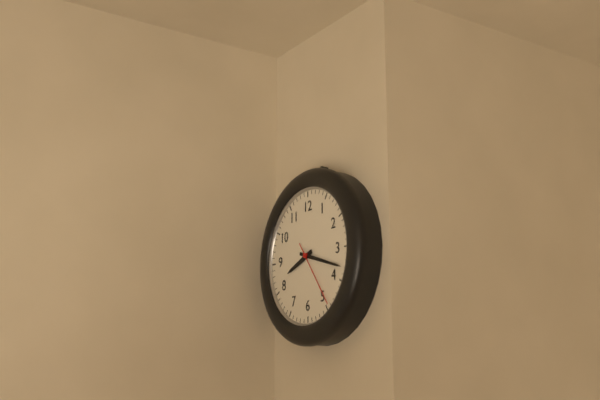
8,18,24
